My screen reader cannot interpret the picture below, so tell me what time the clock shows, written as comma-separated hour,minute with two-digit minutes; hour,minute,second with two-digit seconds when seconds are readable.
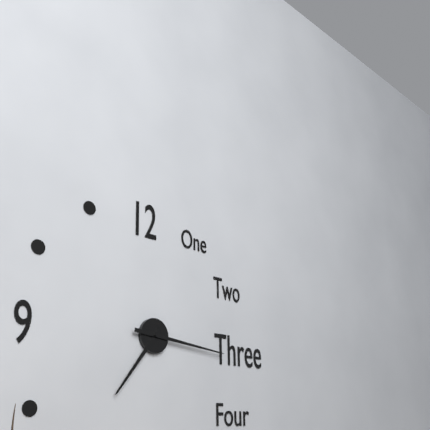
7,16
